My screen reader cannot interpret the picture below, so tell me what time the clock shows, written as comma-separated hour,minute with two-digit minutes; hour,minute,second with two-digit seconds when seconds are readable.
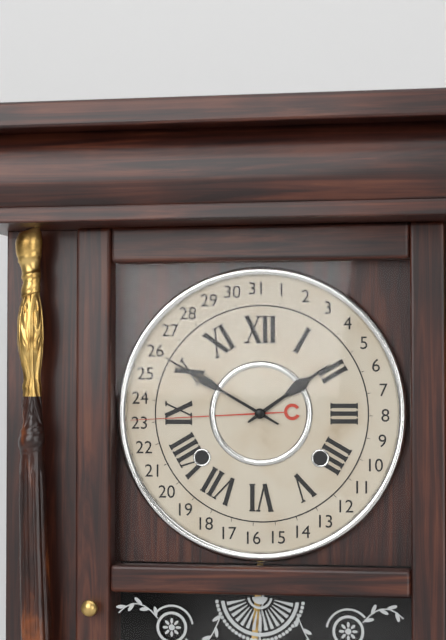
1,50
